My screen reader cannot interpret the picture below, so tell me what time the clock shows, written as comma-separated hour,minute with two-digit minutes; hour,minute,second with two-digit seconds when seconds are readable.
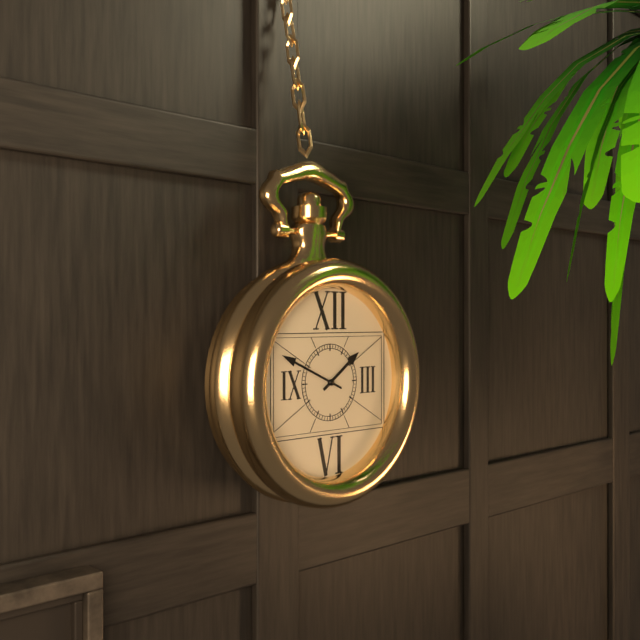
1,49
